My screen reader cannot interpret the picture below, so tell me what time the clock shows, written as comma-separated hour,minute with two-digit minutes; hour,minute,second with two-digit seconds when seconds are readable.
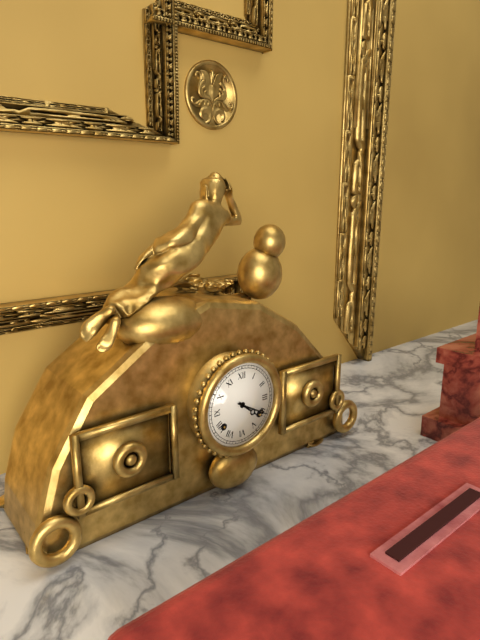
4,20
